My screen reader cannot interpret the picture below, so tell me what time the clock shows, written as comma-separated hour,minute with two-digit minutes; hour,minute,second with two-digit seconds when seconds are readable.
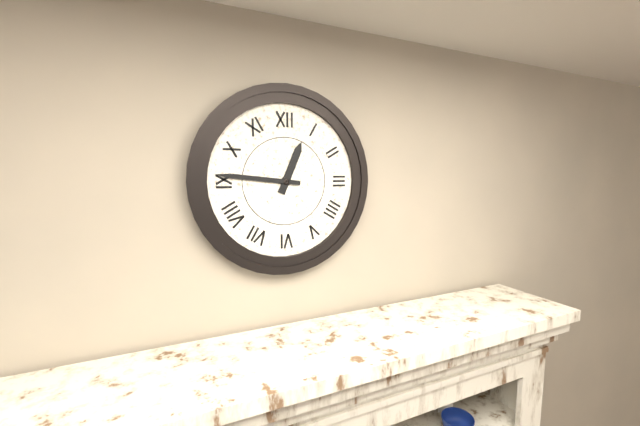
12,46
